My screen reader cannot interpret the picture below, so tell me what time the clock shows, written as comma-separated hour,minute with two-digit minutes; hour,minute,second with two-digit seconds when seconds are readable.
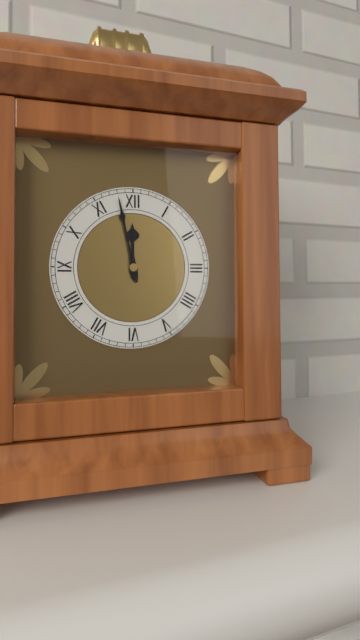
11,58
